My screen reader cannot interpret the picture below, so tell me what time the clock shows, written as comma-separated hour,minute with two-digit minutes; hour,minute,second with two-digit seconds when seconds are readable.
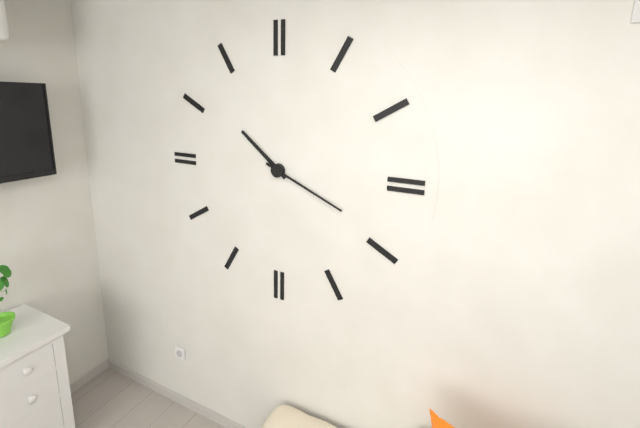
10,19
